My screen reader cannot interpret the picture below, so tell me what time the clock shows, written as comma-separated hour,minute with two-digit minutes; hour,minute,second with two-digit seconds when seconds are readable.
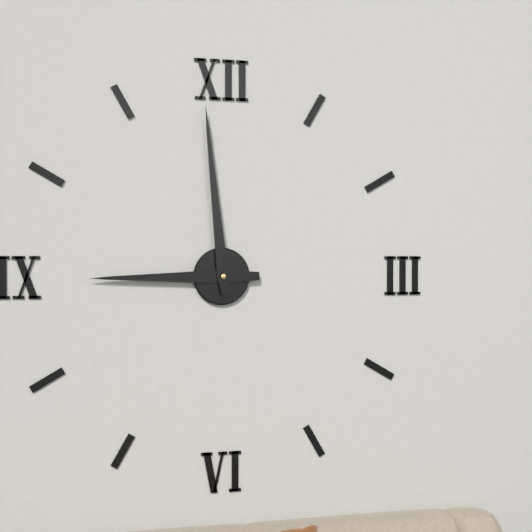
8,59
